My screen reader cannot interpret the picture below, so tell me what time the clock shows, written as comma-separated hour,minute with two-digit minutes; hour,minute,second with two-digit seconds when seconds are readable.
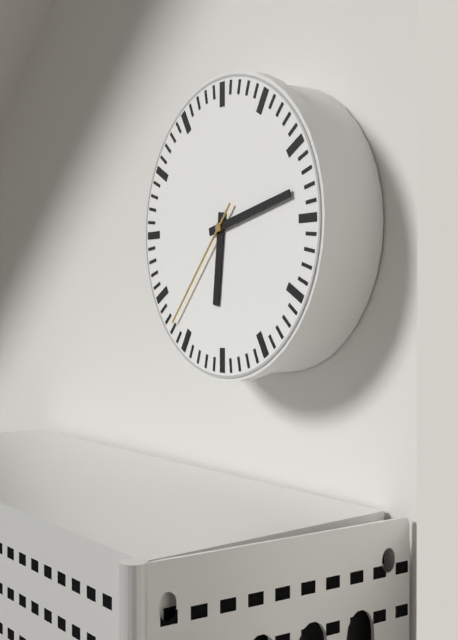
6,13,37
